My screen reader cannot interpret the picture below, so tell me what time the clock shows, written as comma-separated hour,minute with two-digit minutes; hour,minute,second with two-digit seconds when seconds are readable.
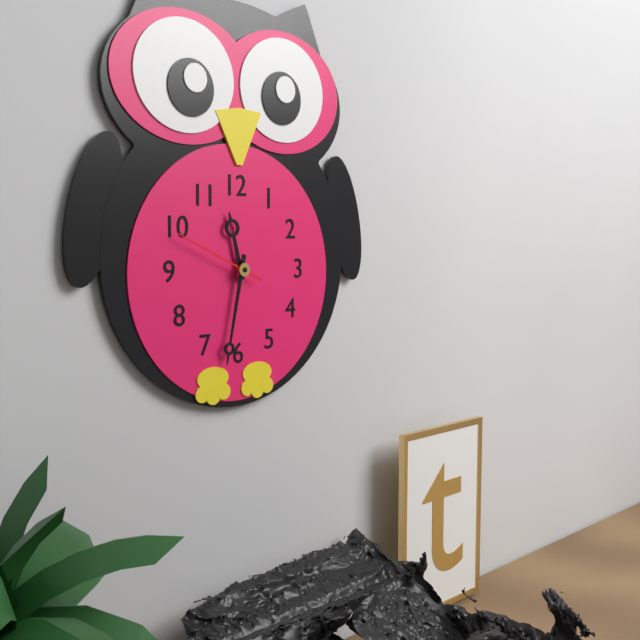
11,32,49
